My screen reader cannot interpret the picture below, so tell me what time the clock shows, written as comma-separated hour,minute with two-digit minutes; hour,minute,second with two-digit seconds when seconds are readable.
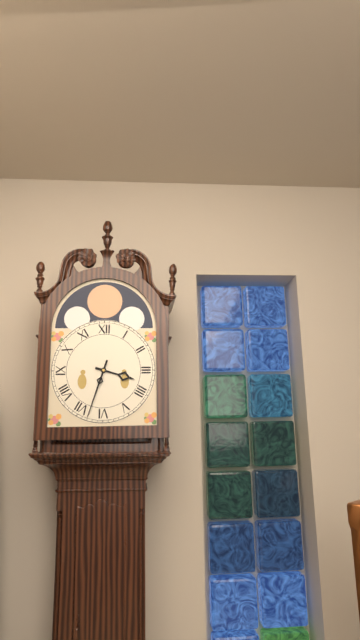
3,33
